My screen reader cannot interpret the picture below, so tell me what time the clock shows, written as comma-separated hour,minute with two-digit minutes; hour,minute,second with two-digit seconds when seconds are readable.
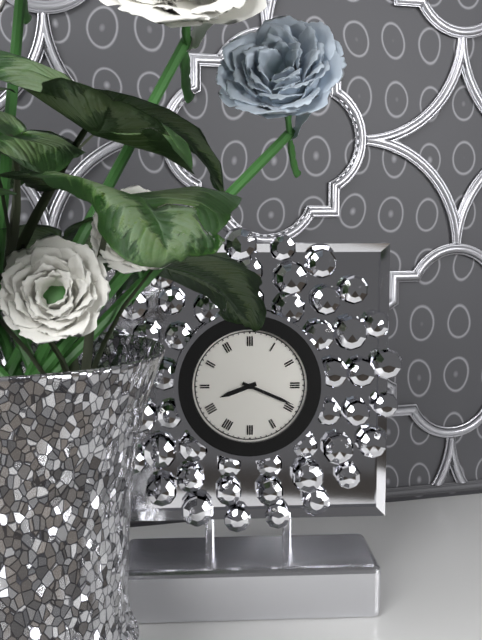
8,19
